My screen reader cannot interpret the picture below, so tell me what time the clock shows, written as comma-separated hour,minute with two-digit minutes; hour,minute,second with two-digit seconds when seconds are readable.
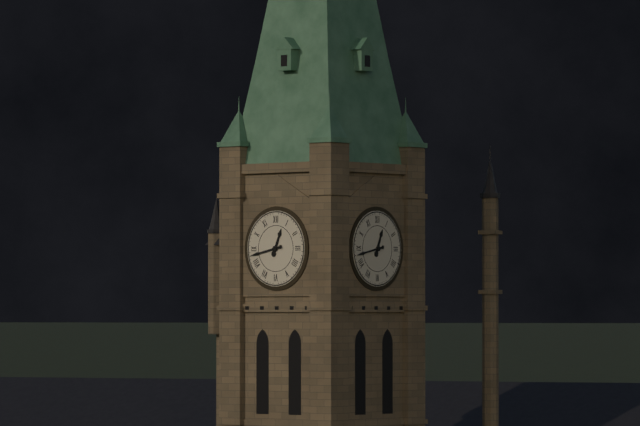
12,43
